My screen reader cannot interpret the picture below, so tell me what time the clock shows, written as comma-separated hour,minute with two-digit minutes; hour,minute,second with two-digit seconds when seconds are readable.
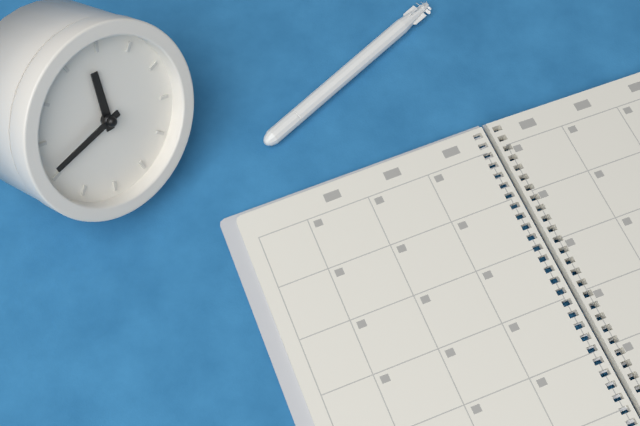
11,41
